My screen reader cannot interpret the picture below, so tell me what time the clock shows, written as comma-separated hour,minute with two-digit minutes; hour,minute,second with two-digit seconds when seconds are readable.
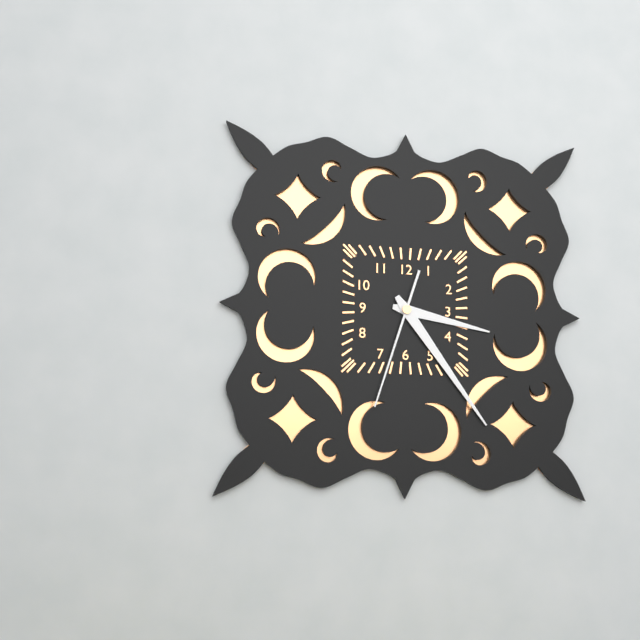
3,24,33
